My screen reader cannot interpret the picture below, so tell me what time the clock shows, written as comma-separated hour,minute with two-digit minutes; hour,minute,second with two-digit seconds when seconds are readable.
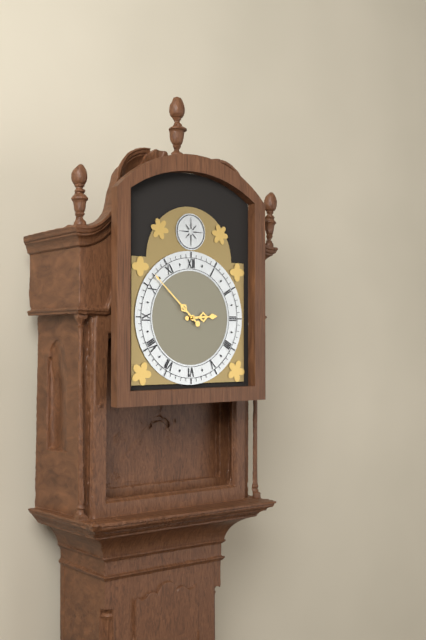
2,52
